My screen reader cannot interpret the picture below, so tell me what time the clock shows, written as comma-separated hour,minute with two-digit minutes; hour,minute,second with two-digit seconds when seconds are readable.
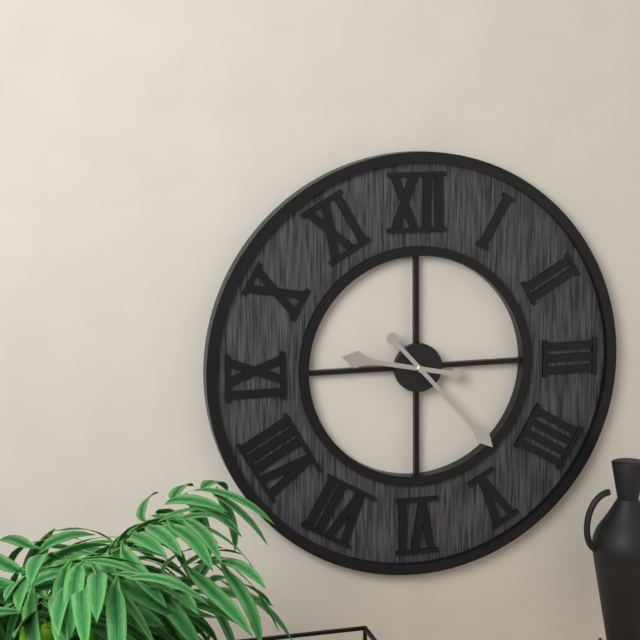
9,23
